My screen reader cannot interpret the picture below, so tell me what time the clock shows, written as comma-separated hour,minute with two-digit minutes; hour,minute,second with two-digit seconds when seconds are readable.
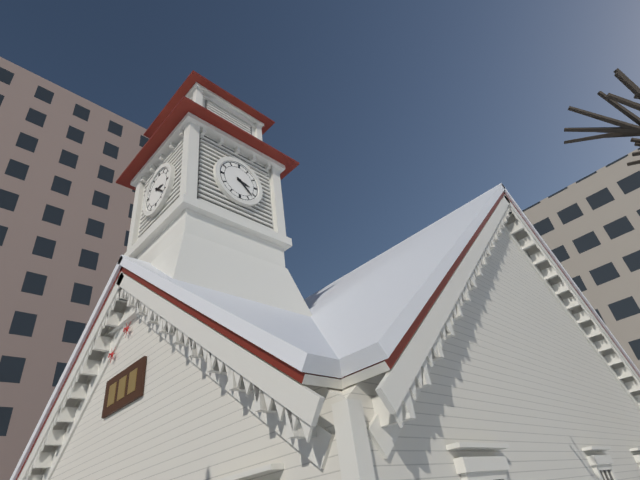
3,22
